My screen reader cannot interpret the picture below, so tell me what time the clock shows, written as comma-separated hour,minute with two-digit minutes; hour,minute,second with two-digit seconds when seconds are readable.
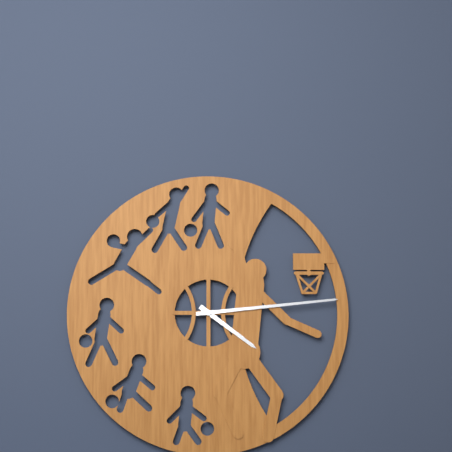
4,14
